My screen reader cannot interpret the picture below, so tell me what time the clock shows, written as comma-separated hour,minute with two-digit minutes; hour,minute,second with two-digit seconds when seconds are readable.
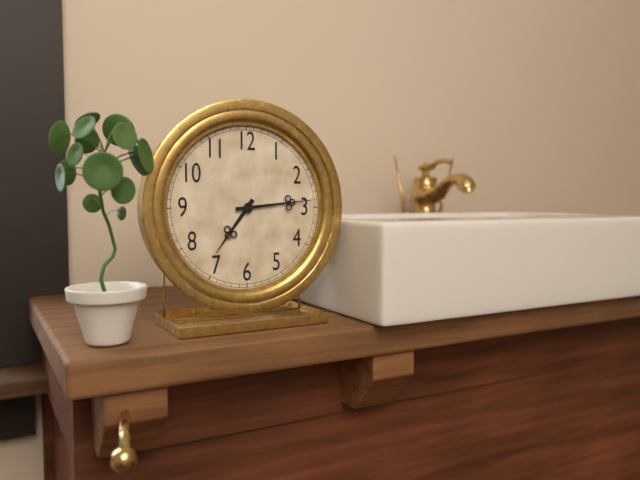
7,14
